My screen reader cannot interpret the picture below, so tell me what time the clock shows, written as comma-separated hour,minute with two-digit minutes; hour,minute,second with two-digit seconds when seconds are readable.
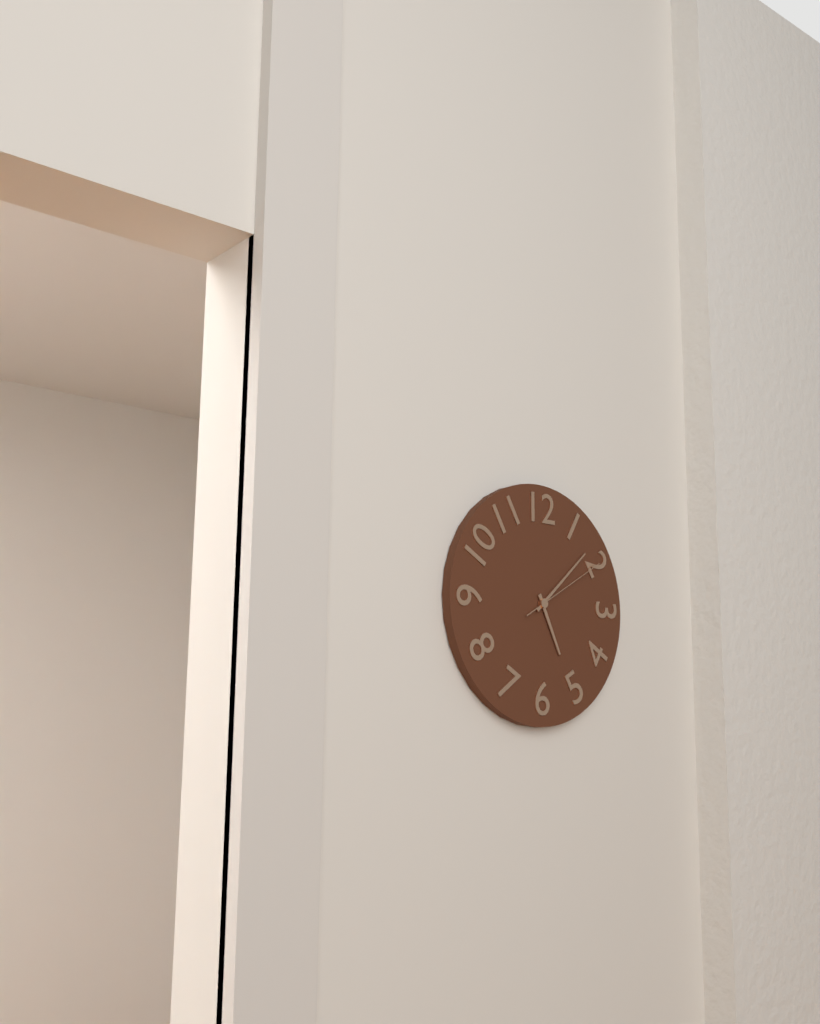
5,08,10
